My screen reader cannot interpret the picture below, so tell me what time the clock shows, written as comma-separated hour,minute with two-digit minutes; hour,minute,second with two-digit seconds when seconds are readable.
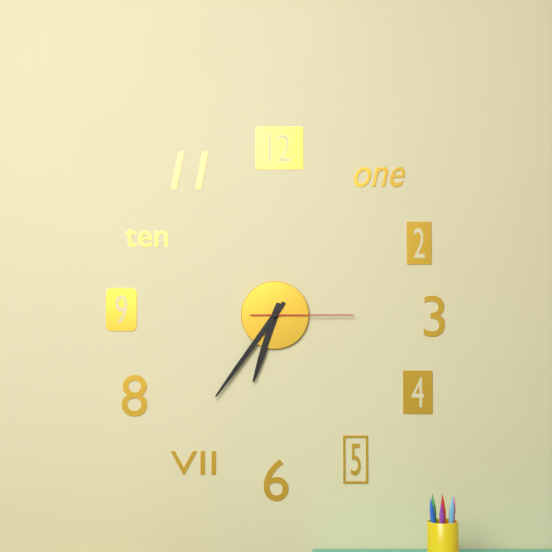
6,36,15
